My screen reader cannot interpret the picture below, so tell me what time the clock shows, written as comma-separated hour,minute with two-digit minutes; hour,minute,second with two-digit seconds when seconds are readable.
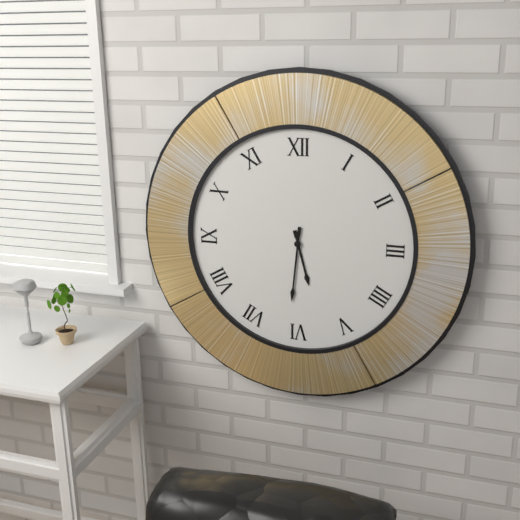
5,31
